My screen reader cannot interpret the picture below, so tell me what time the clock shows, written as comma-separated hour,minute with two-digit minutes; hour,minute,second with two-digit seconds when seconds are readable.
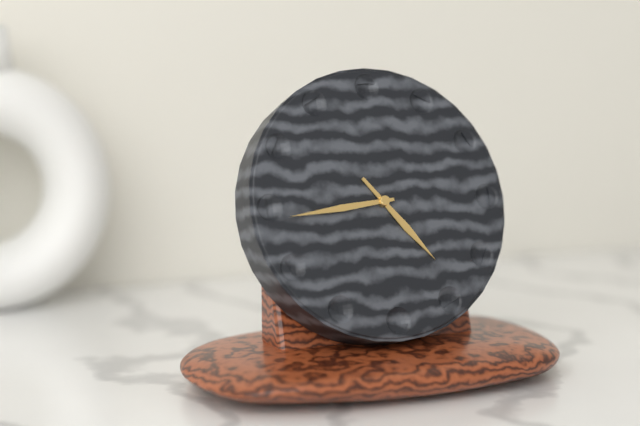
4,44
